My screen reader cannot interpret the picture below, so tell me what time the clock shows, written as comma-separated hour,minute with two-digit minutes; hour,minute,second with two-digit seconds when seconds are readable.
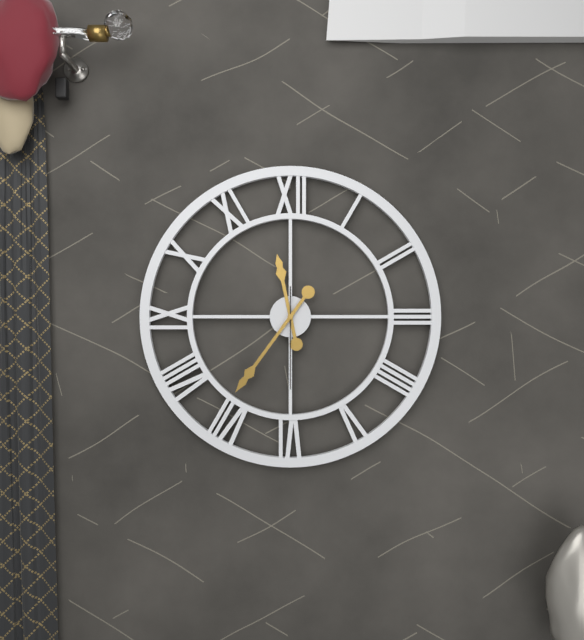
11,36,30
